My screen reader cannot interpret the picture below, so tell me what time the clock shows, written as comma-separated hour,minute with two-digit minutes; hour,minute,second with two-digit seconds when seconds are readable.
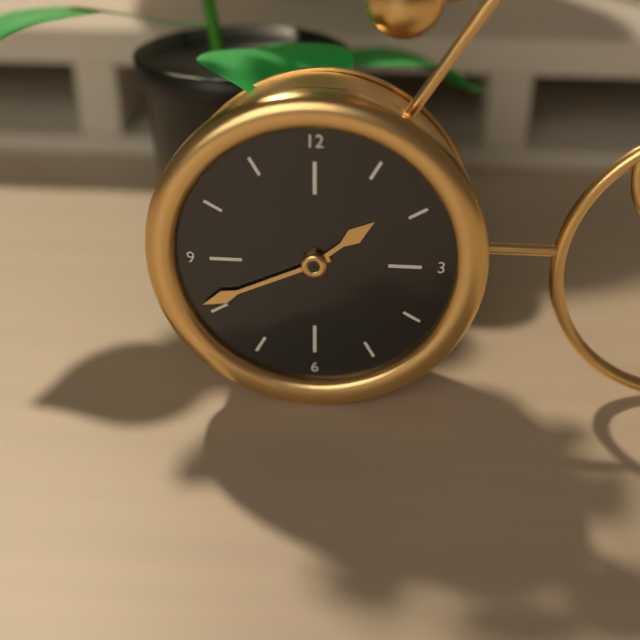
1,41
